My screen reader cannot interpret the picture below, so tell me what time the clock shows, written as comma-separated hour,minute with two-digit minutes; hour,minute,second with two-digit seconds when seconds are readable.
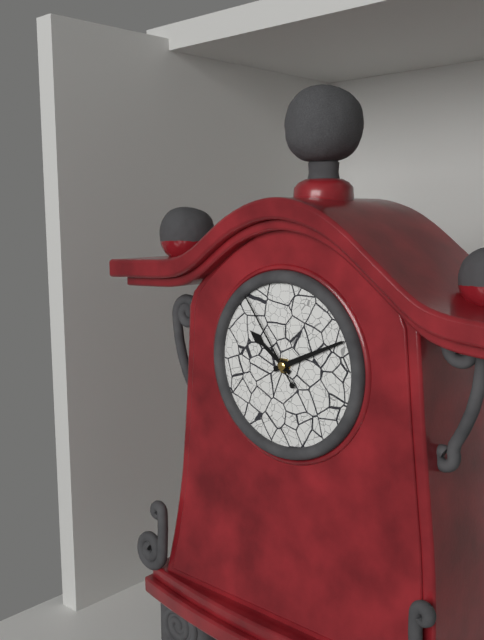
10,11,54
